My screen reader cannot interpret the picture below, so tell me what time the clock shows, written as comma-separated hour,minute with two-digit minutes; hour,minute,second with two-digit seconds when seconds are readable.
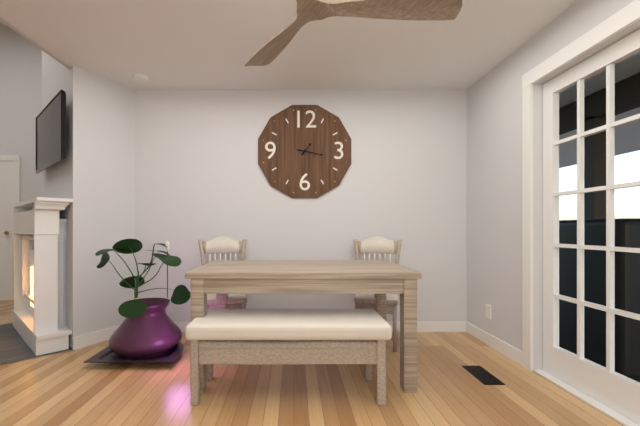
1,17
